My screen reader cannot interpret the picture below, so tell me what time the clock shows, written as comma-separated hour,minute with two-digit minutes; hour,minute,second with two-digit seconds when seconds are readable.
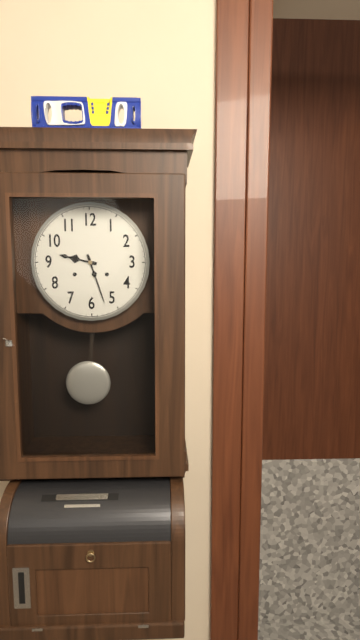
9,27
